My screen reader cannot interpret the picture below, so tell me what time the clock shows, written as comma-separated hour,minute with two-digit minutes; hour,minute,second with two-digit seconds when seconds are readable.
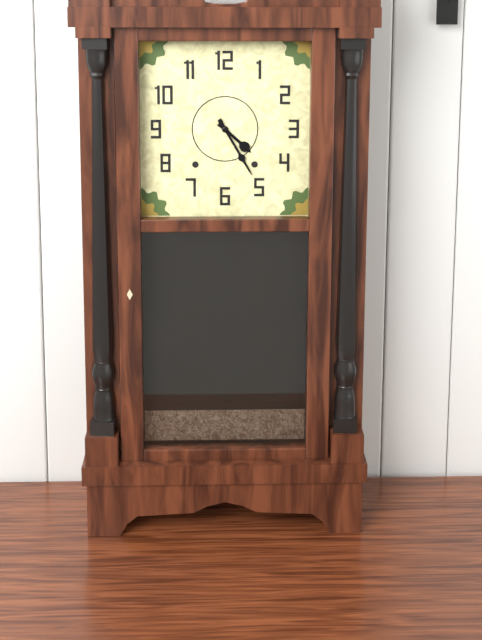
4,25
